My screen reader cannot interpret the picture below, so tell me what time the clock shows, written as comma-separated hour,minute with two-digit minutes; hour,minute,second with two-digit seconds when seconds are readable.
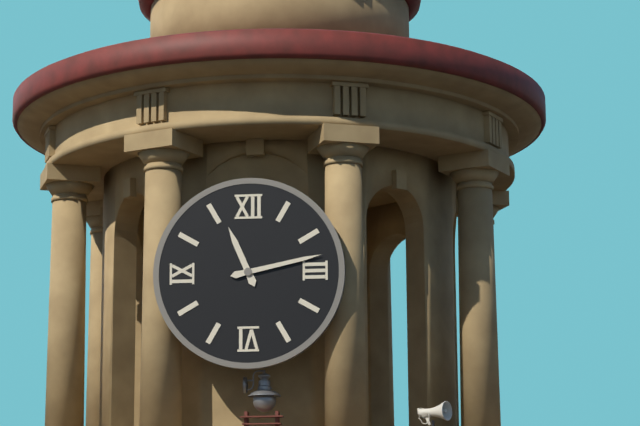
11,13
